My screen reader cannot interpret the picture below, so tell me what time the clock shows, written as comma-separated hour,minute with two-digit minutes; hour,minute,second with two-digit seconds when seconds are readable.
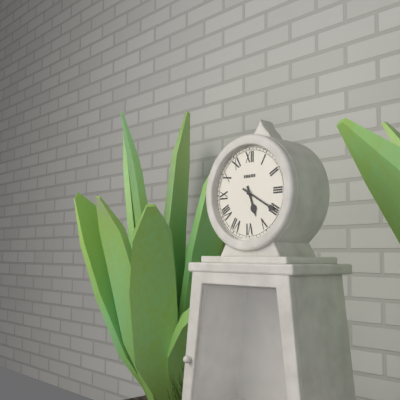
5,20
